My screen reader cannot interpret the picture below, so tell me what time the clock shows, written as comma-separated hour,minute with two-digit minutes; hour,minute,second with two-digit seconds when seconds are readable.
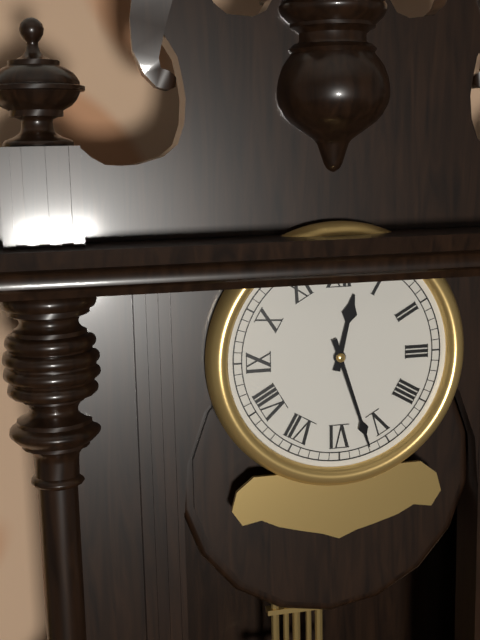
12,27
